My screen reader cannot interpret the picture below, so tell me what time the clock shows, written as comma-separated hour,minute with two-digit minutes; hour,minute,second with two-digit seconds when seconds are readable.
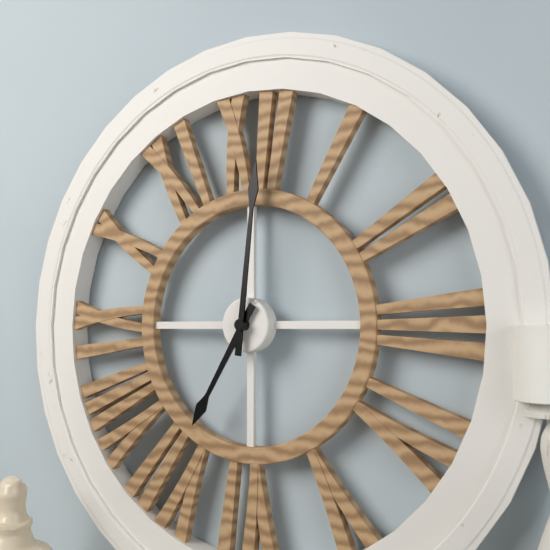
7,01
